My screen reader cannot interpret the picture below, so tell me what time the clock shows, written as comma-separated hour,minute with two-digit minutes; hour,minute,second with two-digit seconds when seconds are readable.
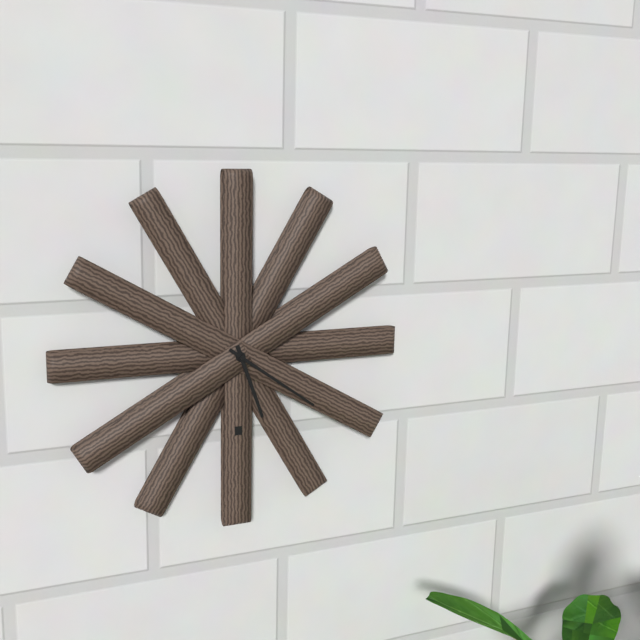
5,21
